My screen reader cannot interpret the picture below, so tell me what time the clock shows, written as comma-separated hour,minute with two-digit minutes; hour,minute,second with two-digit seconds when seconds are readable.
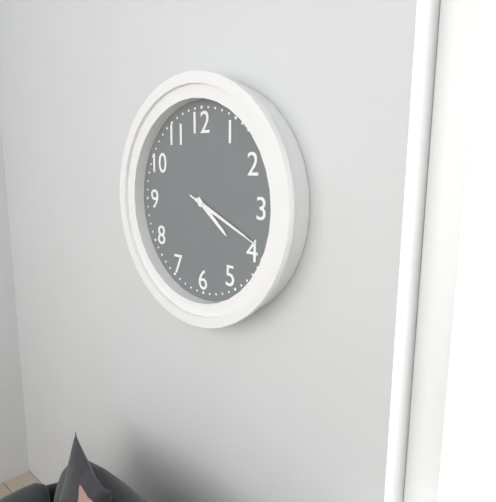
4,19,19
